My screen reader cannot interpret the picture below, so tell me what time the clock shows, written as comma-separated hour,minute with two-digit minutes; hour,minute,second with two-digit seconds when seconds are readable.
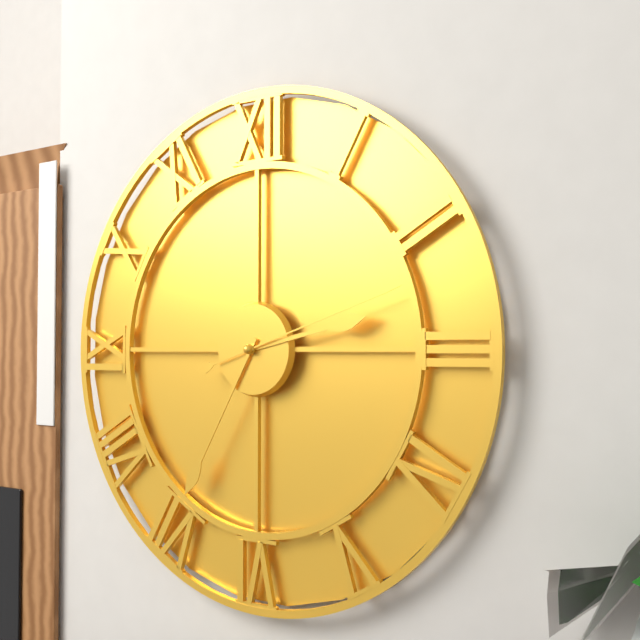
2,35,12
